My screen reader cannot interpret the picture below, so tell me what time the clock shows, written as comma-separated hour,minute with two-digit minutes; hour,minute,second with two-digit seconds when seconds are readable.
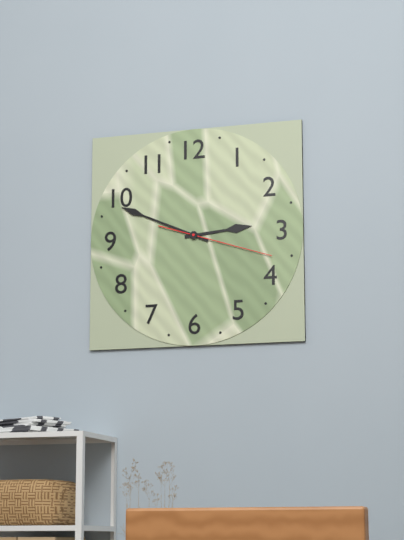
2,49,18
